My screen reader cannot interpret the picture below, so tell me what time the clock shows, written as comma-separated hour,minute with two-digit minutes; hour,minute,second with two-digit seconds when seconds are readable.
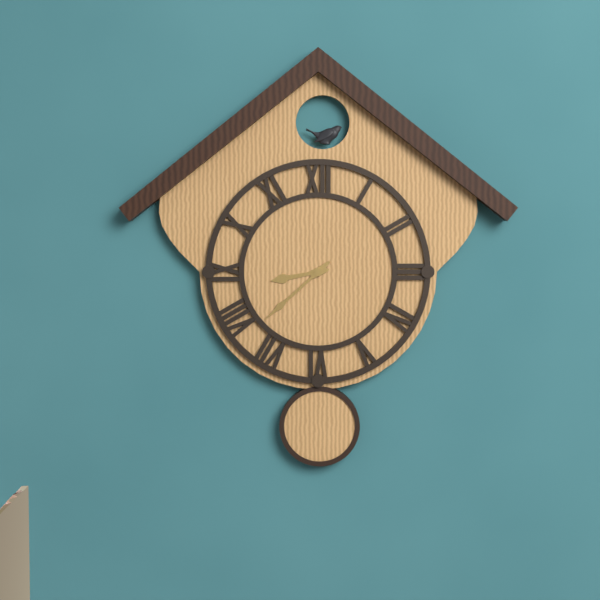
8,38
